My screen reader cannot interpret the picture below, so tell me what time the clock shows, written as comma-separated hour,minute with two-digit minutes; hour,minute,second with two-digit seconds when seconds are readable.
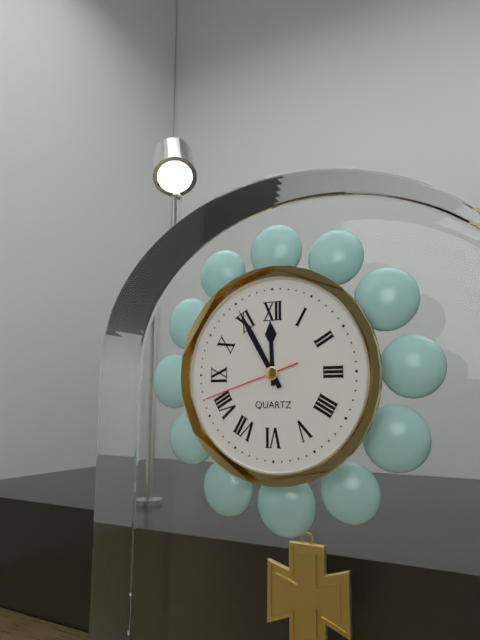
11,55,42
